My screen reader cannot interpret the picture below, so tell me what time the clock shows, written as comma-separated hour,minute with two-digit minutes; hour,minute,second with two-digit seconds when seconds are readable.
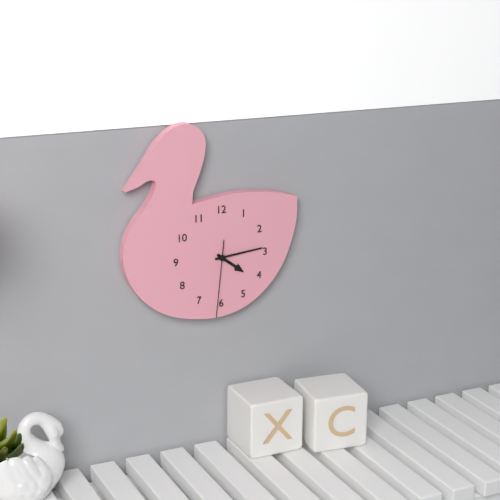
4,14,31
